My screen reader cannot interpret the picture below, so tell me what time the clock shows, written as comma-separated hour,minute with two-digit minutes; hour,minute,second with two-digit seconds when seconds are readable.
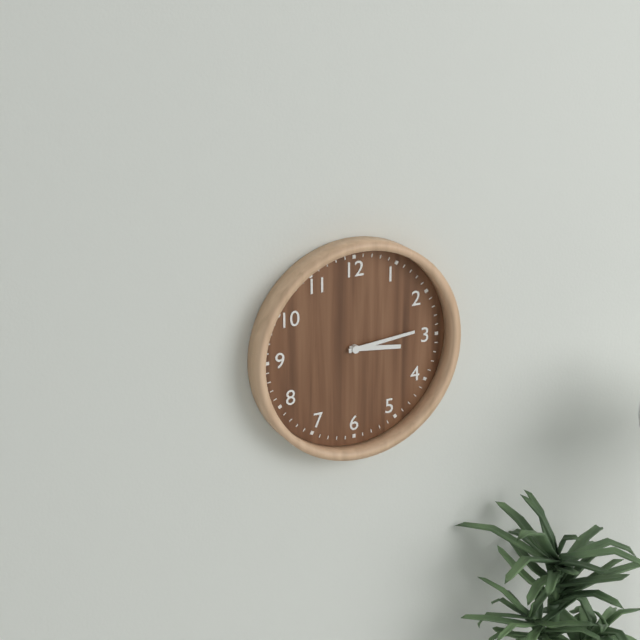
3,14
